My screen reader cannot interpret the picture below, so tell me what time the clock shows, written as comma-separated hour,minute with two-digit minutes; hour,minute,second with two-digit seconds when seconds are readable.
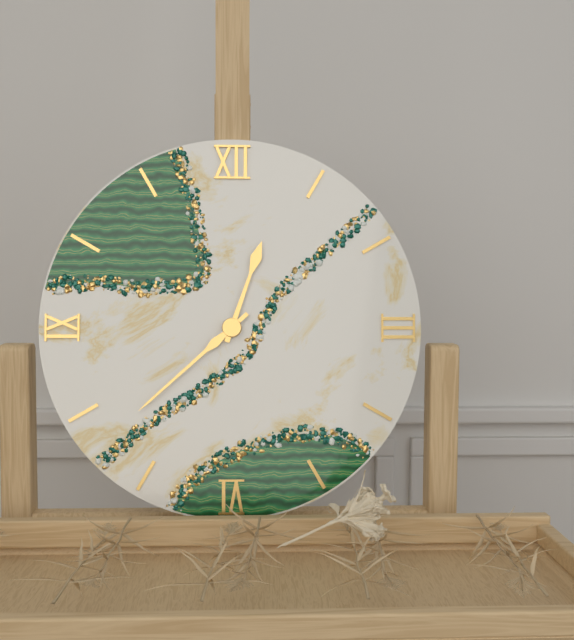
12,38
